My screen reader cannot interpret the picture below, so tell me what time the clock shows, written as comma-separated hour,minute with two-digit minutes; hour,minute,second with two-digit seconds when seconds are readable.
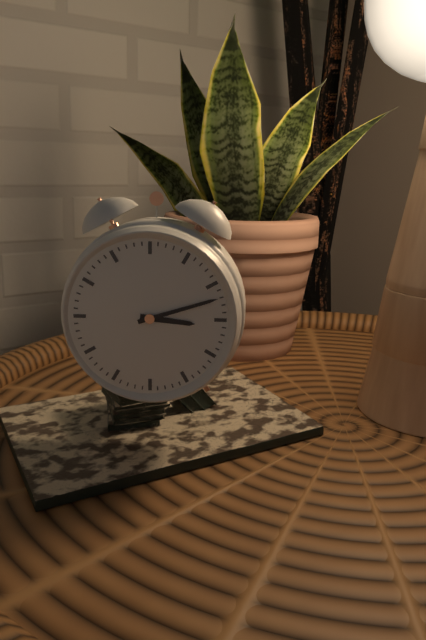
3,12
